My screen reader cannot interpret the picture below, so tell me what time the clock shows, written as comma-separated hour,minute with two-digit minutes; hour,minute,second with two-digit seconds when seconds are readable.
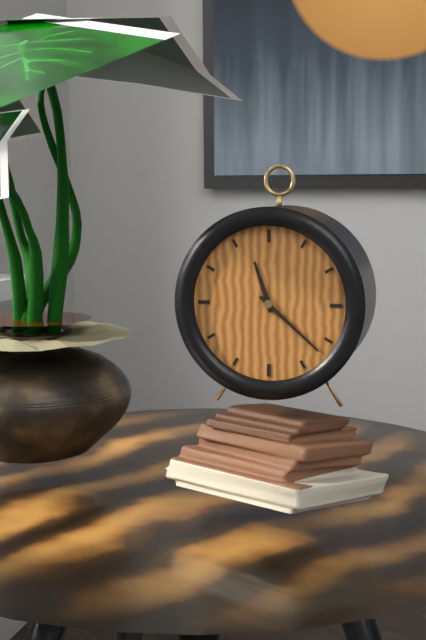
11,22
